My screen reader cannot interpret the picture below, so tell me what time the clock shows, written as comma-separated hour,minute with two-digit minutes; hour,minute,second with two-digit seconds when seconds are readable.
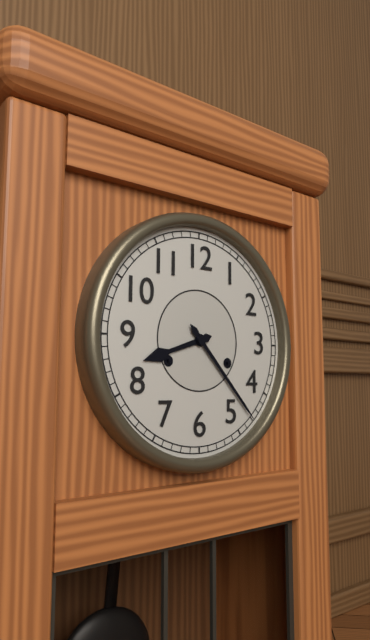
8,23
